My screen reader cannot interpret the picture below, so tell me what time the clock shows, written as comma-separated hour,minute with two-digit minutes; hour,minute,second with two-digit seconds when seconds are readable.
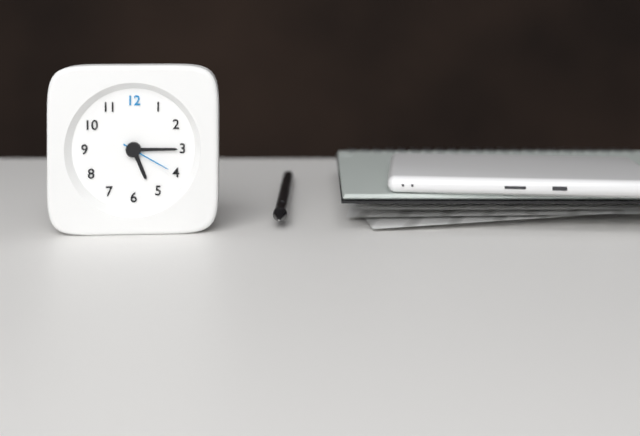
5,15,20
